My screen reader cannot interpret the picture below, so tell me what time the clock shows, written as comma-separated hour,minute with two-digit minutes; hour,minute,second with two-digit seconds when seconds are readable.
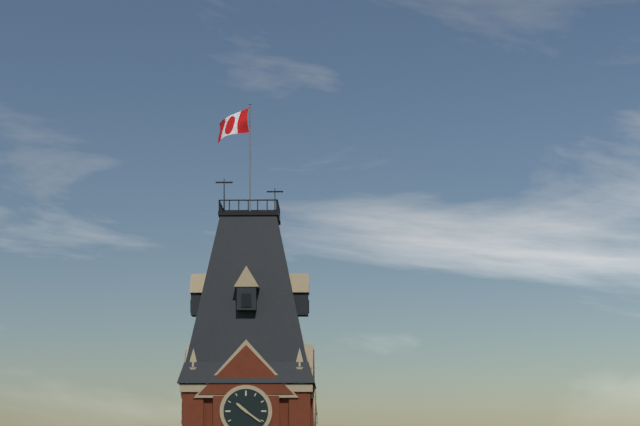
10,21
